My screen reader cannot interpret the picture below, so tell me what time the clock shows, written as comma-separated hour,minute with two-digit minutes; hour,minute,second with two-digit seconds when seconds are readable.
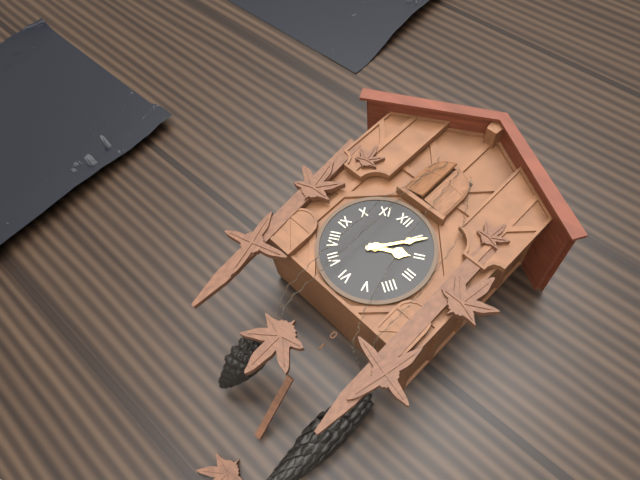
2,06
